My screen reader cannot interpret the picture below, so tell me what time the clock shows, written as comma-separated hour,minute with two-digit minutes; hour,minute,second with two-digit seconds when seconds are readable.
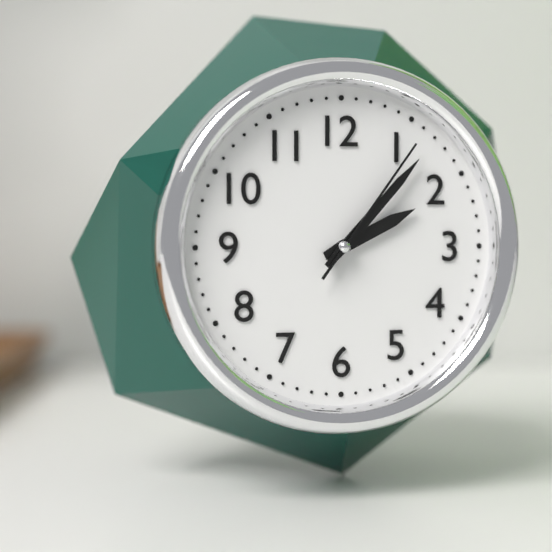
2,07,06
